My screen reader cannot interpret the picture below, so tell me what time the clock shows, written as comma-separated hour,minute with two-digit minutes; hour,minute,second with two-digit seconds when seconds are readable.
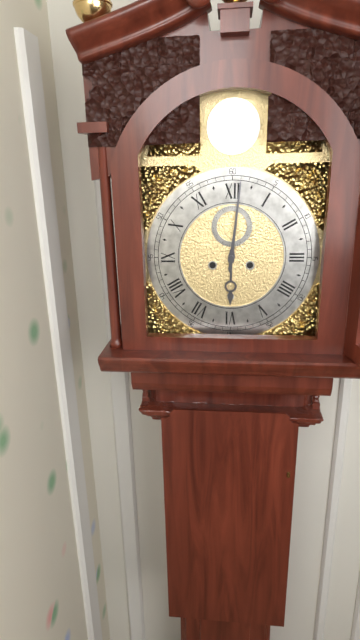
6,01
